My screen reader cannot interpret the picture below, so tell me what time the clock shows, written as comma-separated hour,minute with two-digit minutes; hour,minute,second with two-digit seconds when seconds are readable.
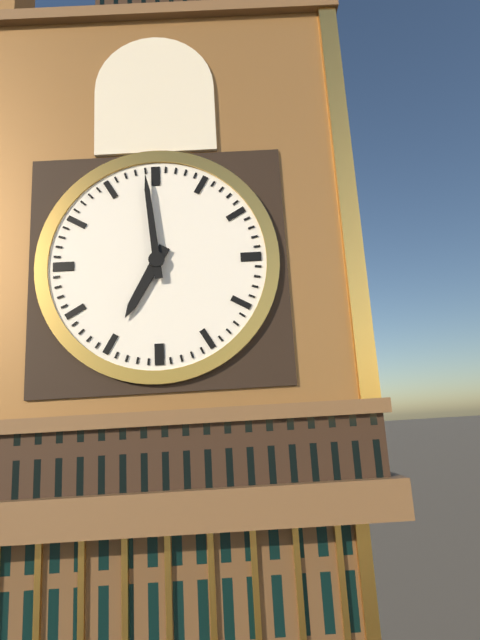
6,59
